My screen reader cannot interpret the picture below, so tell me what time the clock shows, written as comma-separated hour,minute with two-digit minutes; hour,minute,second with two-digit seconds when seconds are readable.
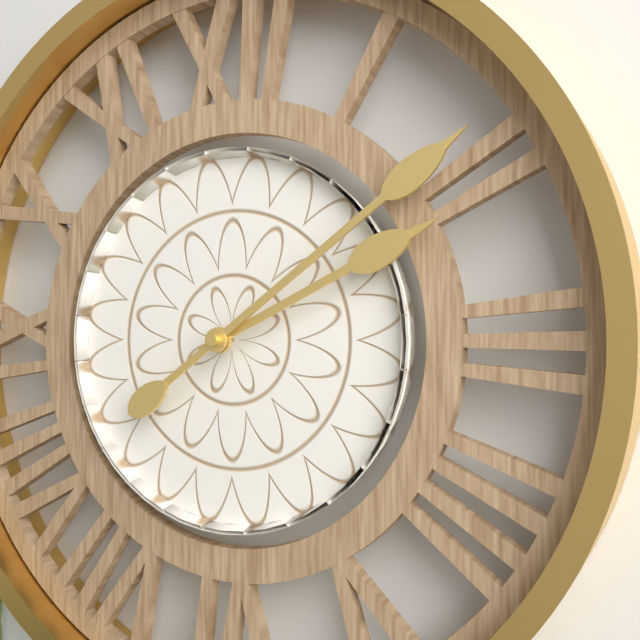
2,09
